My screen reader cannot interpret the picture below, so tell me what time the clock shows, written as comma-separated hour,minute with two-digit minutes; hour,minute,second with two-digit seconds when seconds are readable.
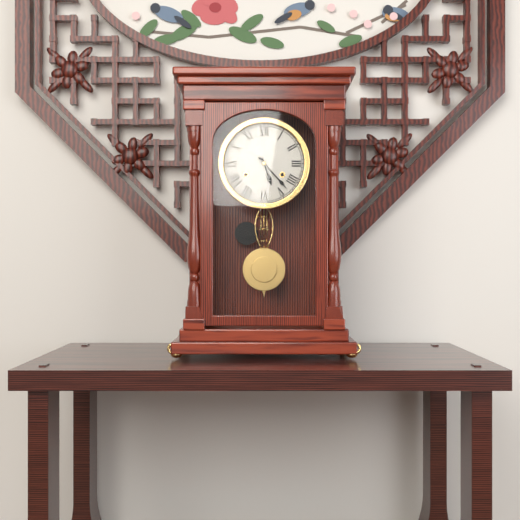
5,23
